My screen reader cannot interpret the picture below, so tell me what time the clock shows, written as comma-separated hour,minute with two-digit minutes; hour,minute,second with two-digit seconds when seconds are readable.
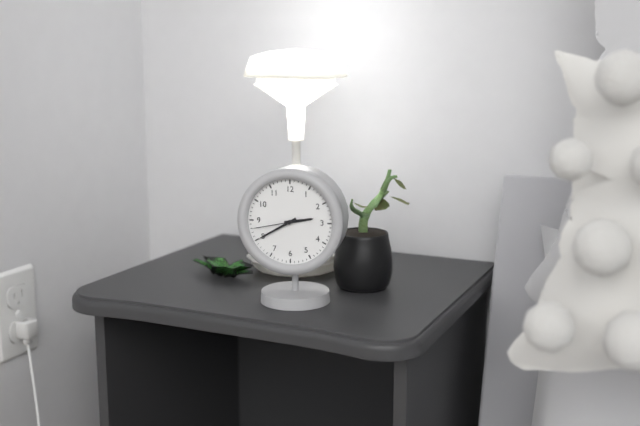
2,40
